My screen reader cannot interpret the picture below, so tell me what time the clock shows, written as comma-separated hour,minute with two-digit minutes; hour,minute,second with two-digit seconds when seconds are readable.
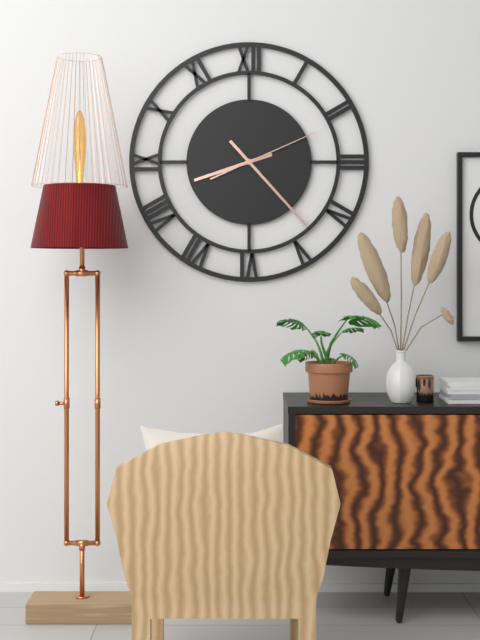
8,23,11
